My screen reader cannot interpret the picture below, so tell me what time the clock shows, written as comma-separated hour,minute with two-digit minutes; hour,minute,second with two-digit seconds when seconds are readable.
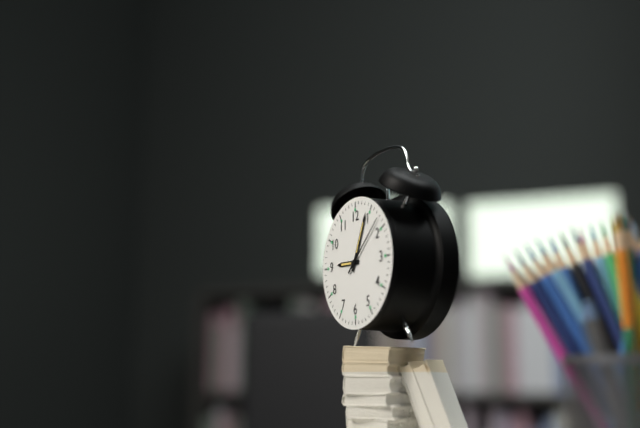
9,04,08
